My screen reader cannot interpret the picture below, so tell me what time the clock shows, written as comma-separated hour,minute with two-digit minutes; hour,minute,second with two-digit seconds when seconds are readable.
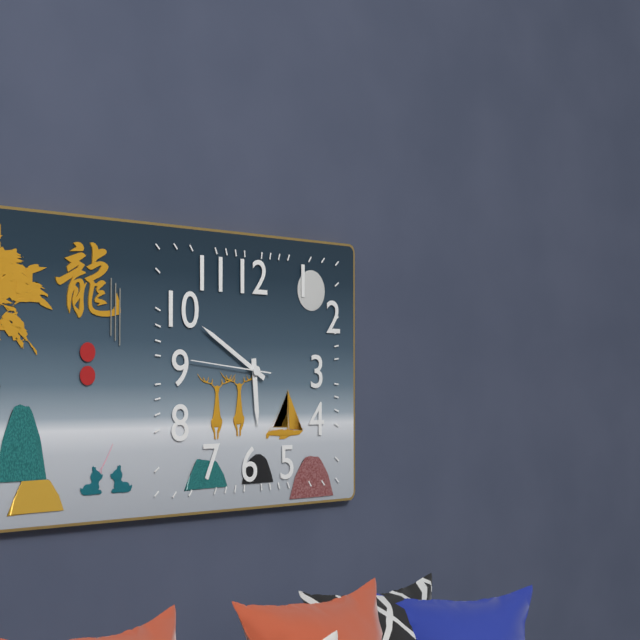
5,50,46
